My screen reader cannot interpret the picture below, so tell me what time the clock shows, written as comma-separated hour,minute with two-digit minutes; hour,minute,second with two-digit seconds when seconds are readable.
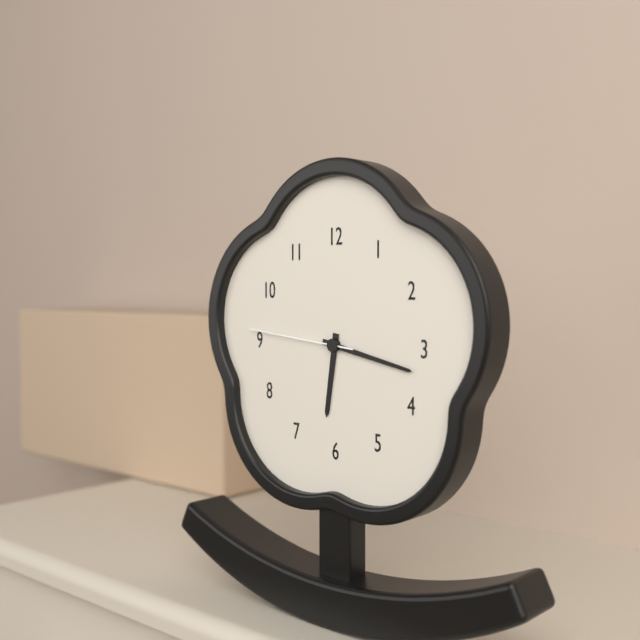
6,17,46
